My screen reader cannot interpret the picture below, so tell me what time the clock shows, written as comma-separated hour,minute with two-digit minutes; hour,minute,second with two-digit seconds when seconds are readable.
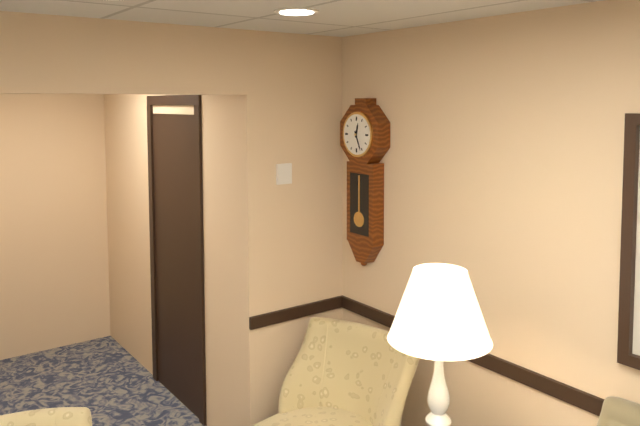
12,26
